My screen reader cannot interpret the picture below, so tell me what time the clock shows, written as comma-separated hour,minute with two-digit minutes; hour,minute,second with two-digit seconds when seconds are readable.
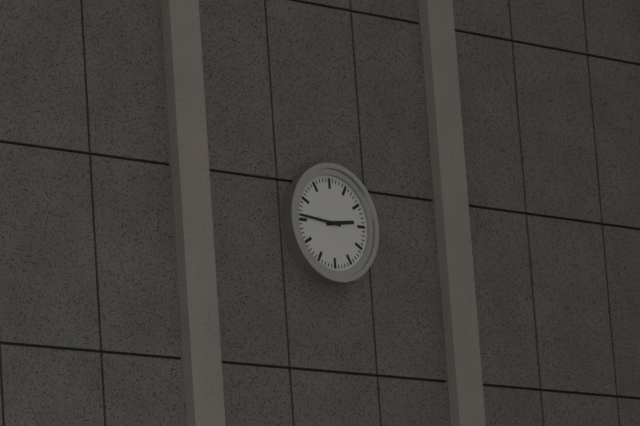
2,46
